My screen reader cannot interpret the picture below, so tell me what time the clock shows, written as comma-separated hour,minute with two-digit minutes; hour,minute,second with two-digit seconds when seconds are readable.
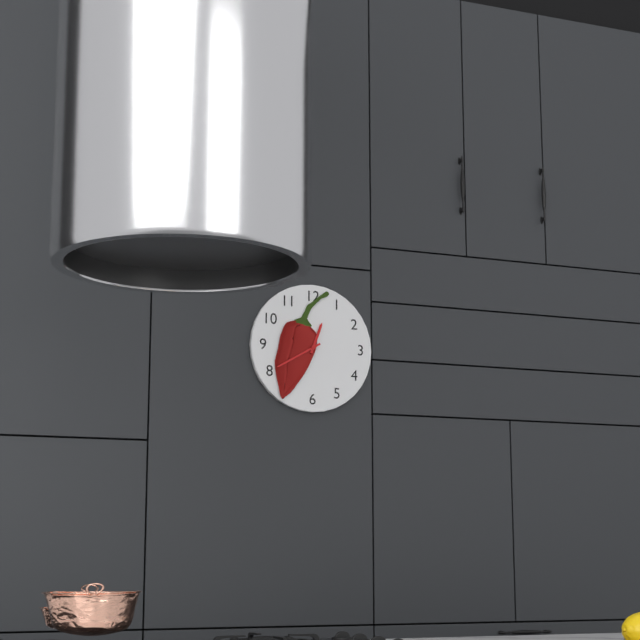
12,40
